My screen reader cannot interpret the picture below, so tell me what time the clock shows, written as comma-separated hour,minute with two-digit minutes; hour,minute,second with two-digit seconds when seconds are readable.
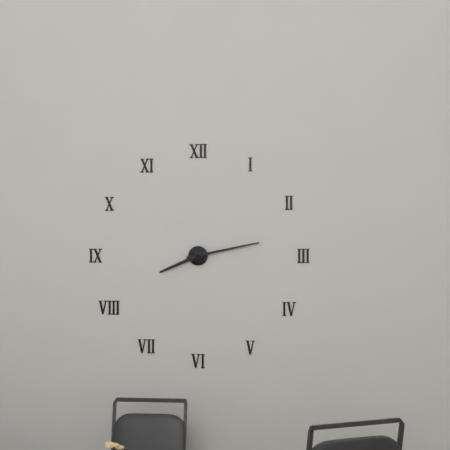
8,13
